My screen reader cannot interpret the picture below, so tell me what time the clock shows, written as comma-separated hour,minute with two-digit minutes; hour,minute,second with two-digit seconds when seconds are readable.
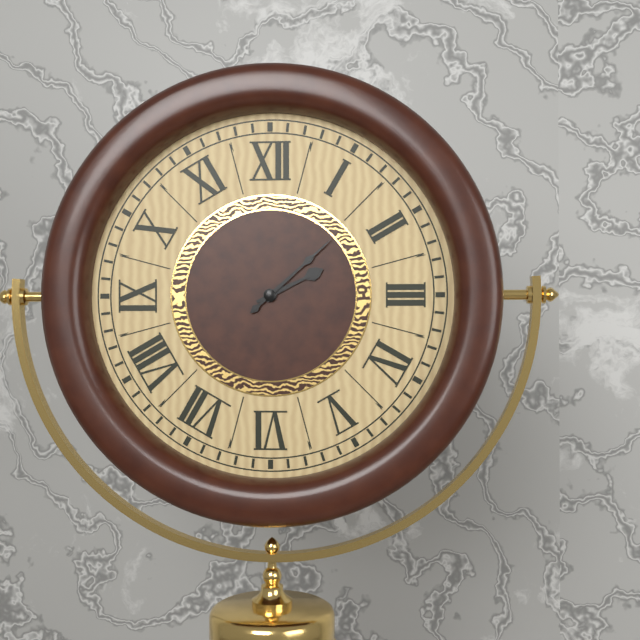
2,08
